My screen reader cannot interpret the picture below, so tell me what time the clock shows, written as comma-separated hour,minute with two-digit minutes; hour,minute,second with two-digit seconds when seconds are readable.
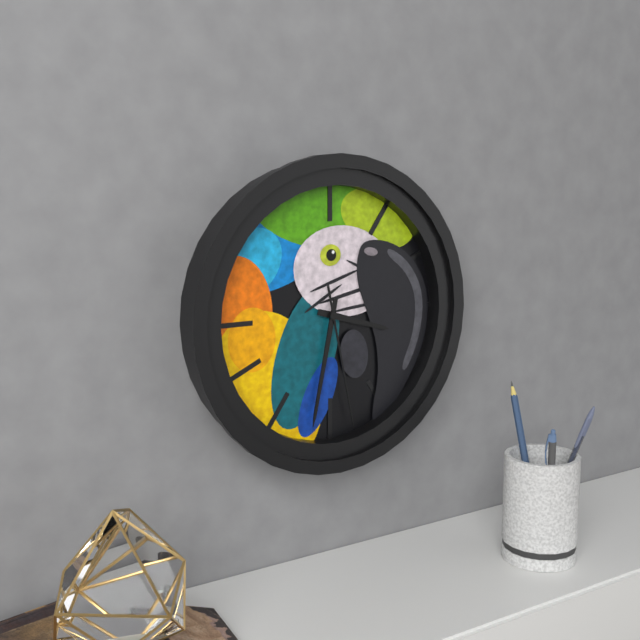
3,32,28
